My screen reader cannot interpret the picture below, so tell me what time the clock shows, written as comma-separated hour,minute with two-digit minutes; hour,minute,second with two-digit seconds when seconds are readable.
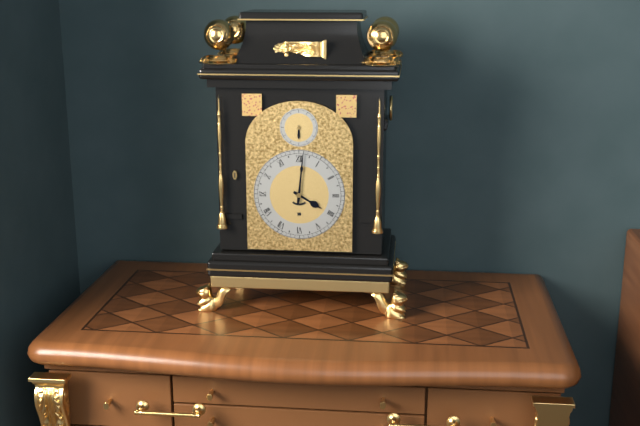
4,01
